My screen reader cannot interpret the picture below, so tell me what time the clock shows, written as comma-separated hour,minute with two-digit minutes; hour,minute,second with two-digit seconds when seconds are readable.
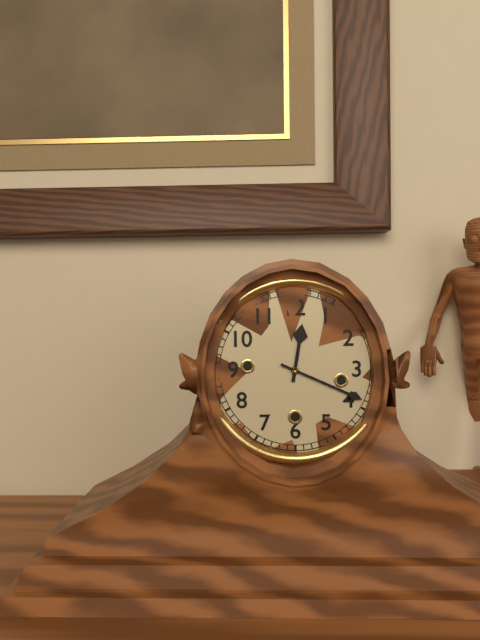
12,19
